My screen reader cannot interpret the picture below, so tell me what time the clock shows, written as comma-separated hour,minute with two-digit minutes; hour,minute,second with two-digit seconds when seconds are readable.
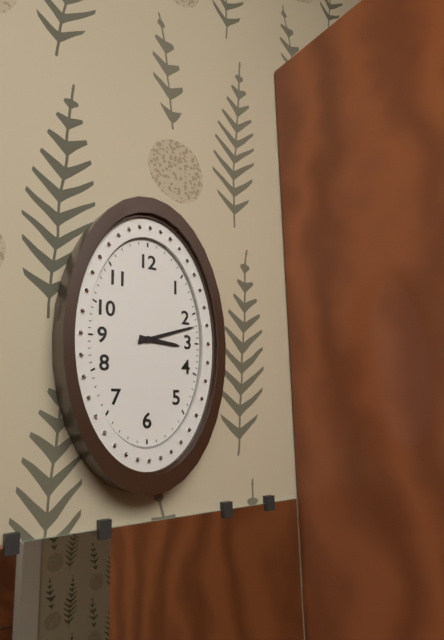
3,12
